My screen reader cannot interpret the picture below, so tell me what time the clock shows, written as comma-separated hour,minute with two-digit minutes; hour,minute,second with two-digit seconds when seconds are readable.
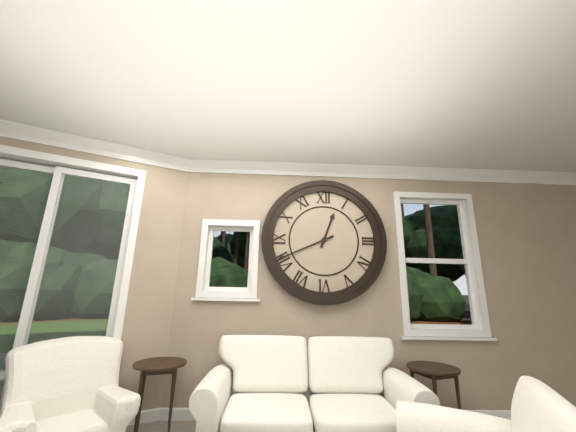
12,41
